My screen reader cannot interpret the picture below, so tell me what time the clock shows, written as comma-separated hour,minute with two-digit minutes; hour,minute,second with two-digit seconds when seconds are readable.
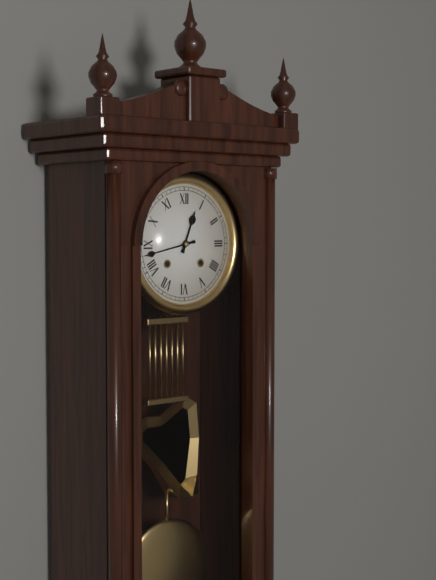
12,43
